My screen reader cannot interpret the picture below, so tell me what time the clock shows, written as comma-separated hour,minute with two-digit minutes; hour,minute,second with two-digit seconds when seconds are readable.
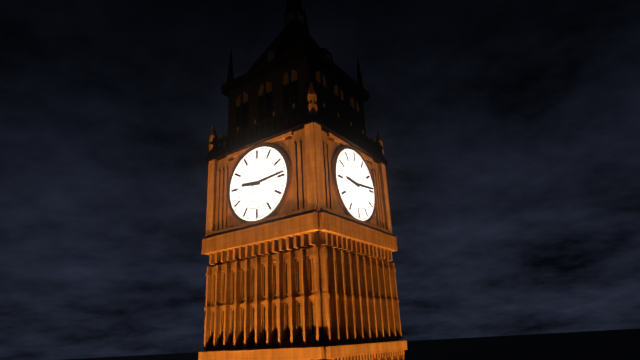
9,14
